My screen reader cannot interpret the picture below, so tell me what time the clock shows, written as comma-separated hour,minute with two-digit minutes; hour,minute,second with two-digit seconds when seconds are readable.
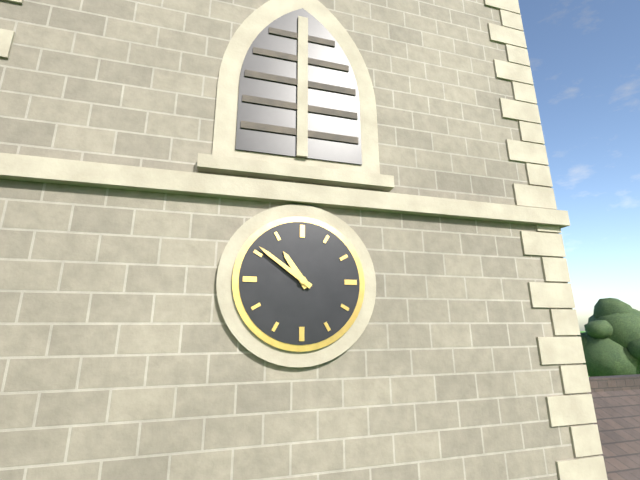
10,51
